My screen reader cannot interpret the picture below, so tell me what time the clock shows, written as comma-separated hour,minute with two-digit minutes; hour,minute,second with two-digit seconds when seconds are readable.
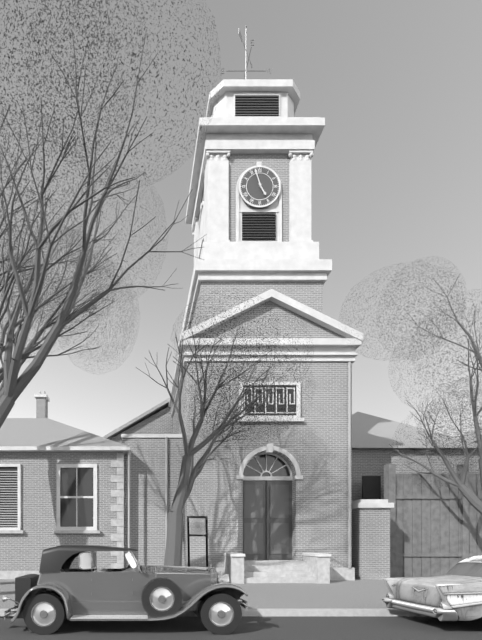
4,57
